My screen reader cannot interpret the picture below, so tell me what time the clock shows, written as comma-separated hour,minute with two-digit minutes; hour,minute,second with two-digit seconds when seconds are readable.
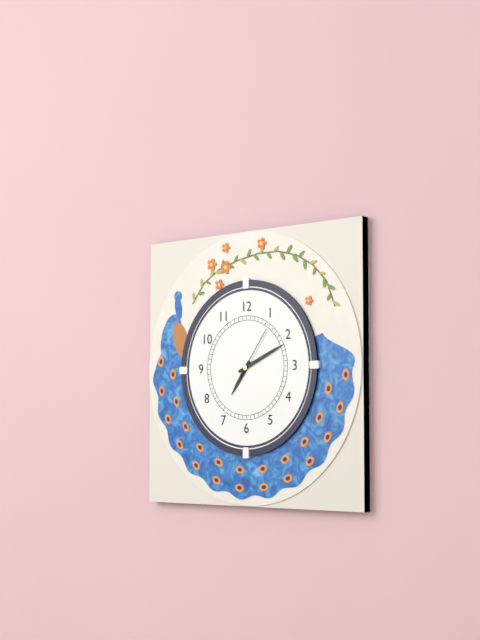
7,11,06
